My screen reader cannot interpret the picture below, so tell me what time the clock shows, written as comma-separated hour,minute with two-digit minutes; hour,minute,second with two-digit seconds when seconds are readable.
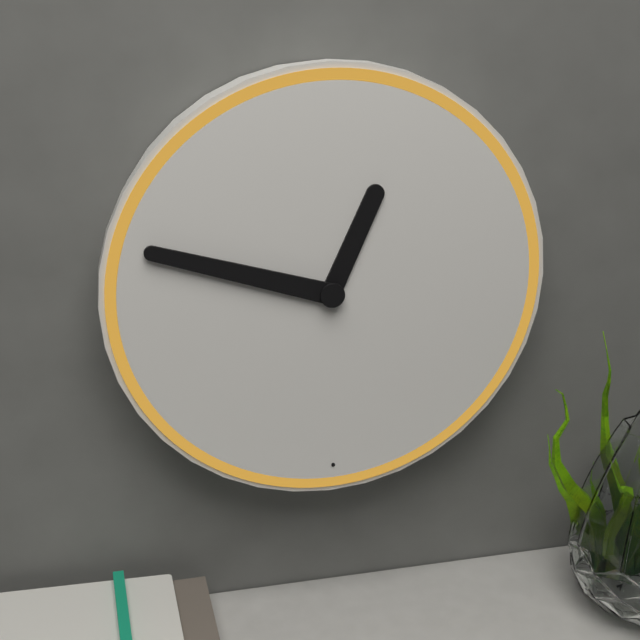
12,48
